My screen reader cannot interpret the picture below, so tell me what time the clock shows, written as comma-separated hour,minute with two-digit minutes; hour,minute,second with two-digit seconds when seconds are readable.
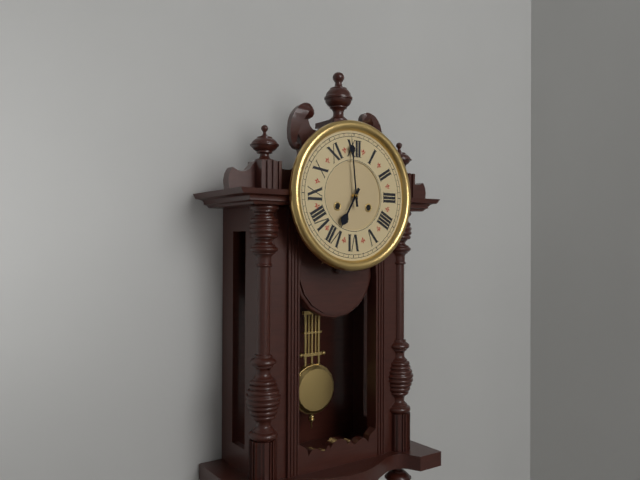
6,59
